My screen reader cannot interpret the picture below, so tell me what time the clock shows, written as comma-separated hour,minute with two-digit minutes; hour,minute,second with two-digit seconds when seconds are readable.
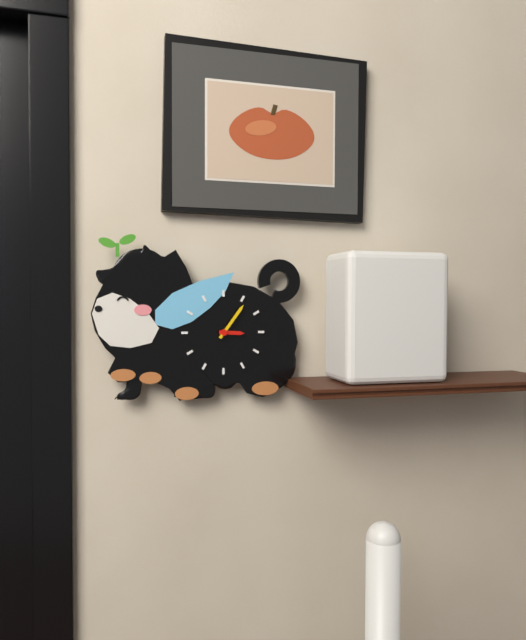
3,06
